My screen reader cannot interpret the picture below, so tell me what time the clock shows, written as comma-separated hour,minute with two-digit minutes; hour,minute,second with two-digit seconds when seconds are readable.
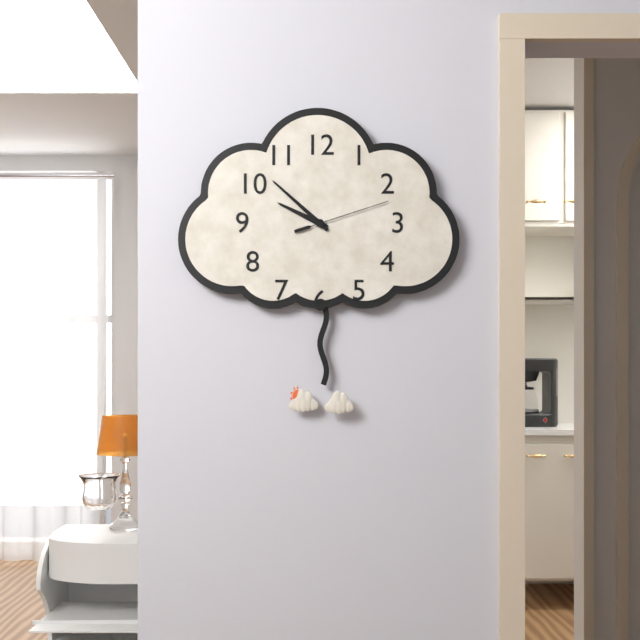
9,52,12
